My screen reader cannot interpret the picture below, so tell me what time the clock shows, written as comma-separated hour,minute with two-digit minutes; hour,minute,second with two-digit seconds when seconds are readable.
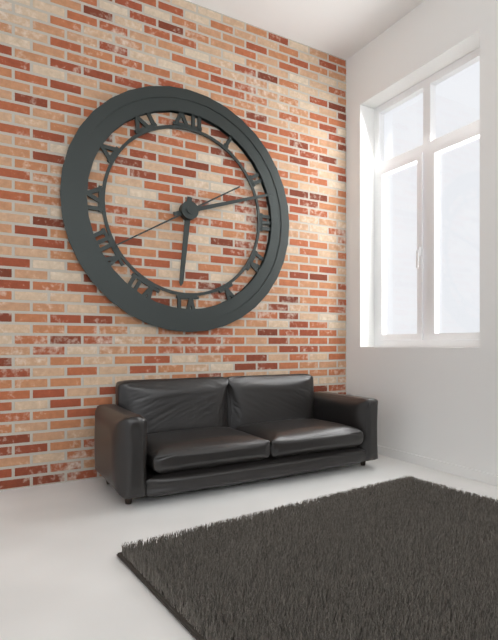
6,12,40
